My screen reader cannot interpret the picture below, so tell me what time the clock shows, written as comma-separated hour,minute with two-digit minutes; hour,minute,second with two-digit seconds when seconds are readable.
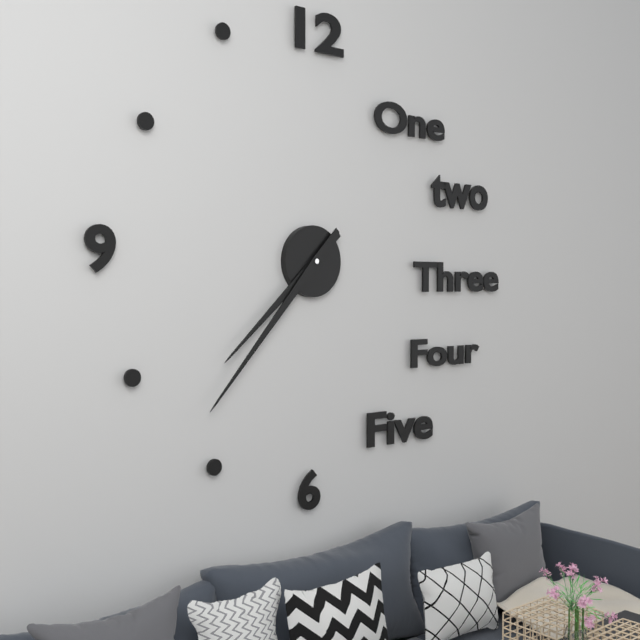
7,37
